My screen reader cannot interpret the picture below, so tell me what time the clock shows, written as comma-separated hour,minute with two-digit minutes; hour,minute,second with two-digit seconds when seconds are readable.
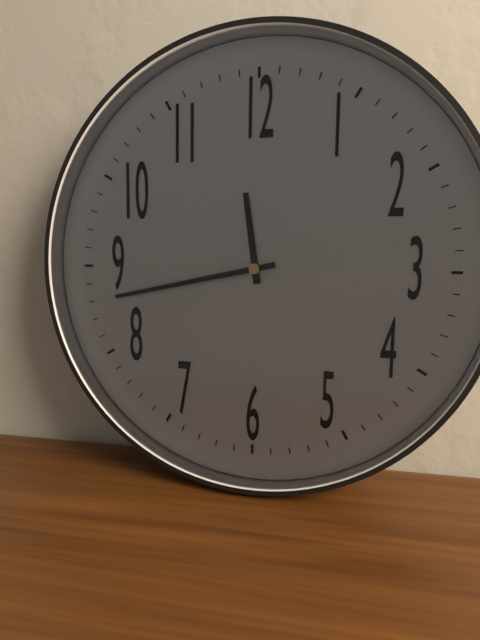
11,43
